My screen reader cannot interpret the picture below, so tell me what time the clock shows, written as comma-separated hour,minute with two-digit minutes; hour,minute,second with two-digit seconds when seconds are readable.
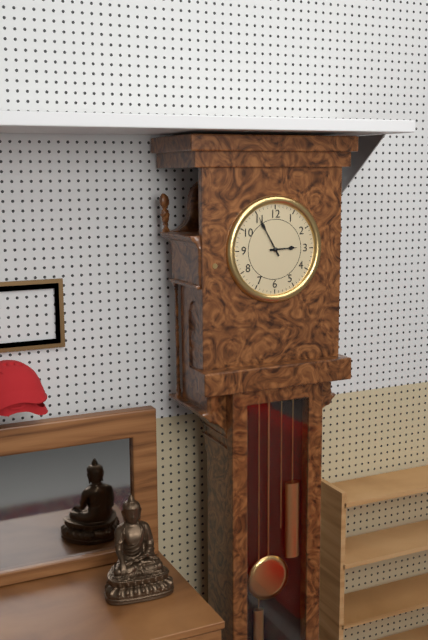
2,55
